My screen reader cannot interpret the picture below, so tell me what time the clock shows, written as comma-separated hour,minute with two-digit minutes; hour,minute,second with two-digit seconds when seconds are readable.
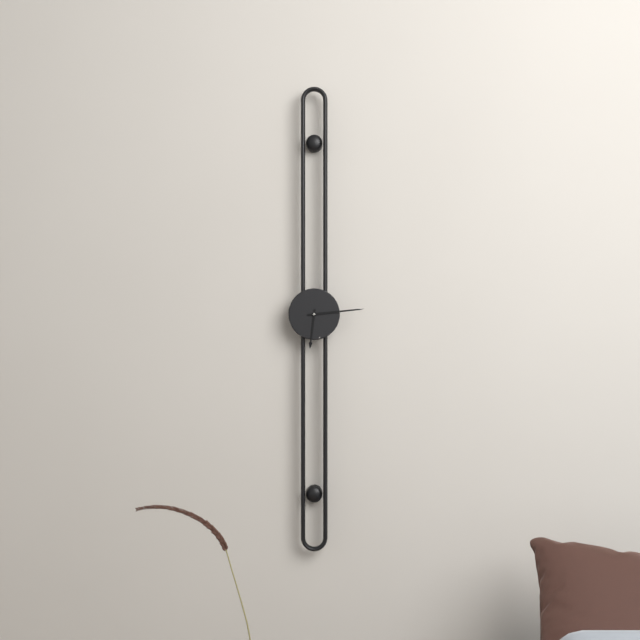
6,14
